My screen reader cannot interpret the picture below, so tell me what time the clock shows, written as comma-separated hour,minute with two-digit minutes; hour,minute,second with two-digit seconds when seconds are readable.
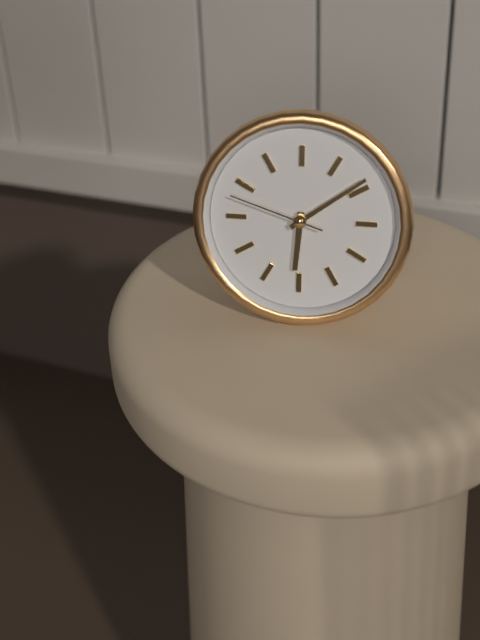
6,09,48
